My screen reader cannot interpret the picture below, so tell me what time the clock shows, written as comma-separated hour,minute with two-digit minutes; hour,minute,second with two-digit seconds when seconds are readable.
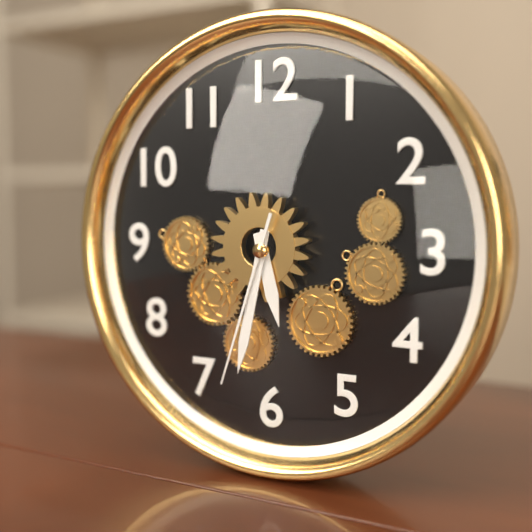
5,32,33
